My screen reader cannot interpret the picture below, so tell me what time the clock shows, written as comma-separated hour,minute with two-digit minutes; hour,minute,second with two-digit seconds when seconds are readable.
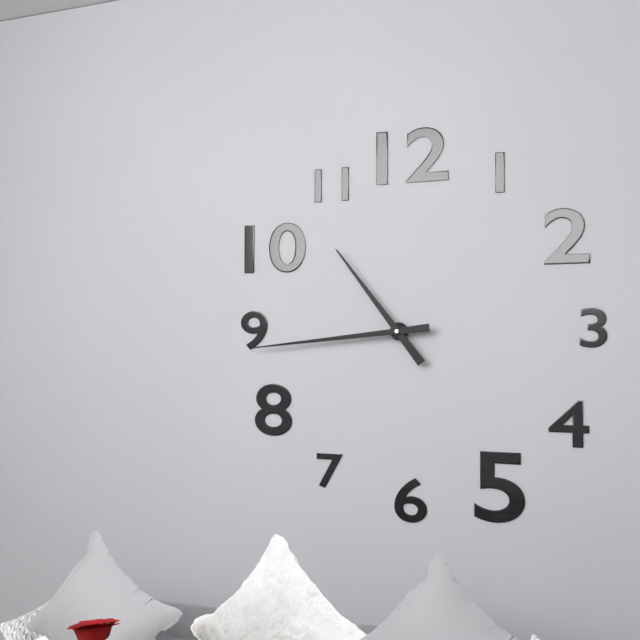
10,44
